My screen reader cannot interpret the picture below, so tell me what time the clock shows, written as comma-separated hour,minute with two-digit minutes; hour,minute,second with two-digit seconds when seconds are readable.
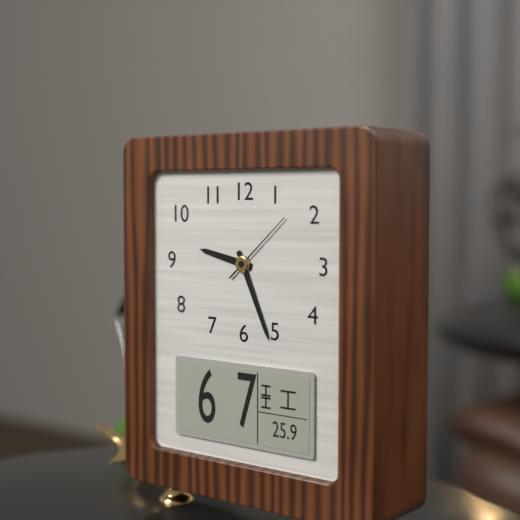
9,26,08
